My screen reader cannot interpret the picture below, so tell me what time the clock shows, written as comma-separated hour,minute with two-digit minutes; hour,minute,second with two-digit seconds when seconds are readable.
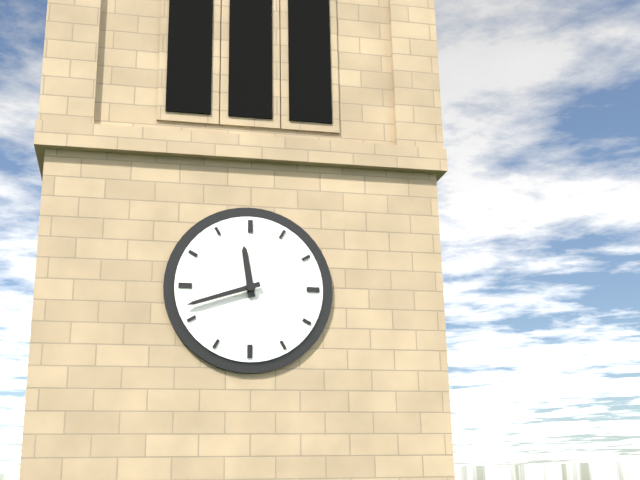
11,42
